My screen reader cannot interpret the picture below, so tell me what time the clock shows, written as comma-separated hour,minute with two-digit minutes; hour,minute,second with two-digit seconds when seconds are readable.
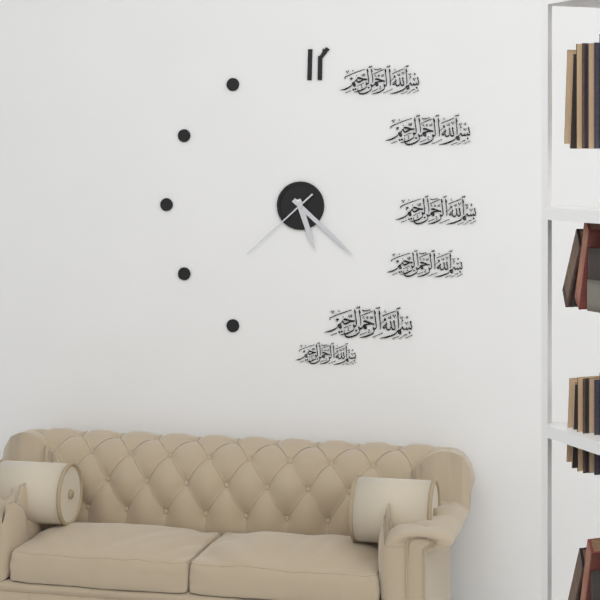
5,22,38
